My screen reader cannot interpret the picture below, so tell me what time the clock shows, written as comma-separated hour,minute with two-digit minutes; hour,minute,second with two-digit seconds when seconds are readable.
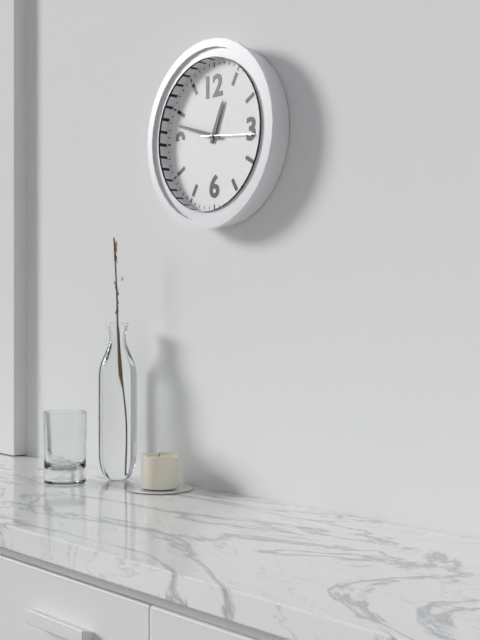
12,48,16
